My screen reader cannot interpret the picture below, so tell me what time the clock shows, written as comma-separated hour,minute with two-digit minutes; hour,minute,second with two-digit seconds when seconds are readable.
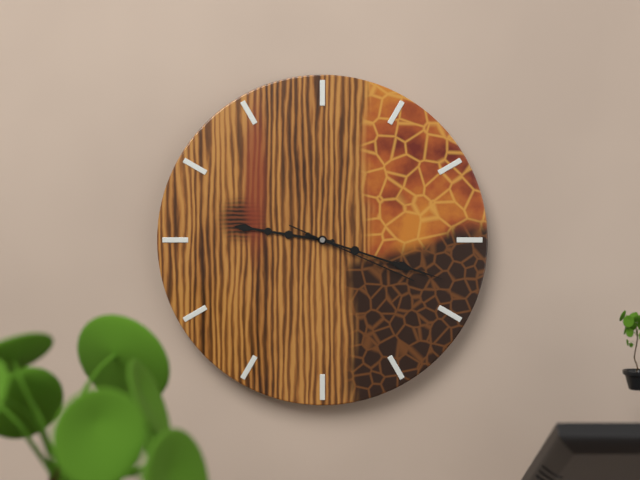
9,18,19
